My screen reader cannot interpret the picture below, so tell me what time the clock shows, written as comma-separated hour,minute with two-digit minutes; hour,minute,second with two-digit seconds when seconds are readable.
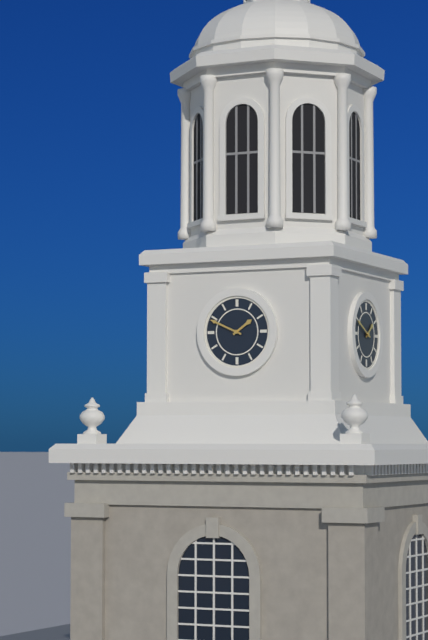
1,49
